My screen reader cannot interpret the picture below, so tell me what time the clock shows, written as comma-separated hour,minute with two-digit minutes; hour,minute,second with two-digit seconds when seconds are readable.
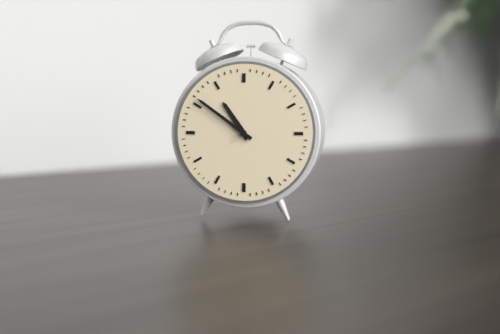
10,51
